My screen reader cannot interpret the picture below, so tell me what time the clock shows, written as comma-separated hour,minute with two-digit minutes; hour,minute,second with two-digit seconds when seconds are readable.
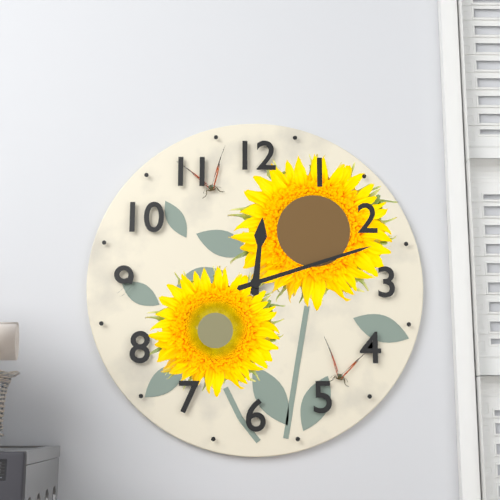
12,12
